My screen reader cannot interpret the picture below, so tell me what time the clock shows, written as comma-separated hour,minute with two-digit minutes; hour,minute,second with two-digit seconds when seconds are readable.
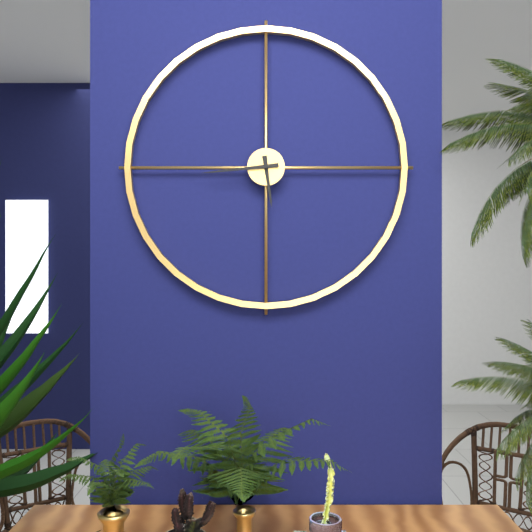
5,44
